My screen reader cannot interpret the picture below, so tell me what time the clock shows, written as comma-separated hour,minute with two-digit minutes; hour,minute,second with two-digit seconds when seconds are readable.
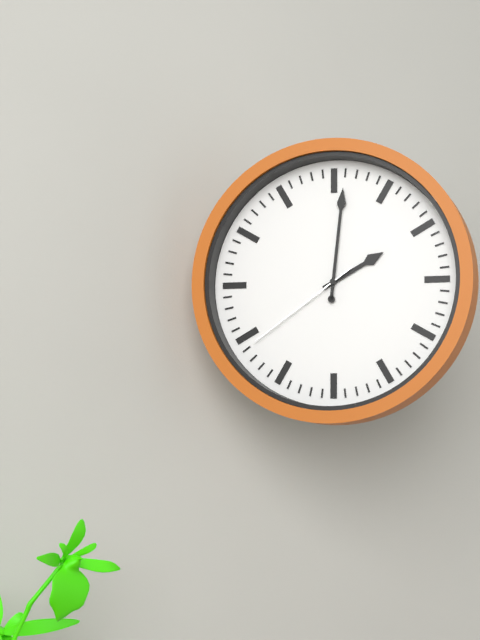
2,01,39
